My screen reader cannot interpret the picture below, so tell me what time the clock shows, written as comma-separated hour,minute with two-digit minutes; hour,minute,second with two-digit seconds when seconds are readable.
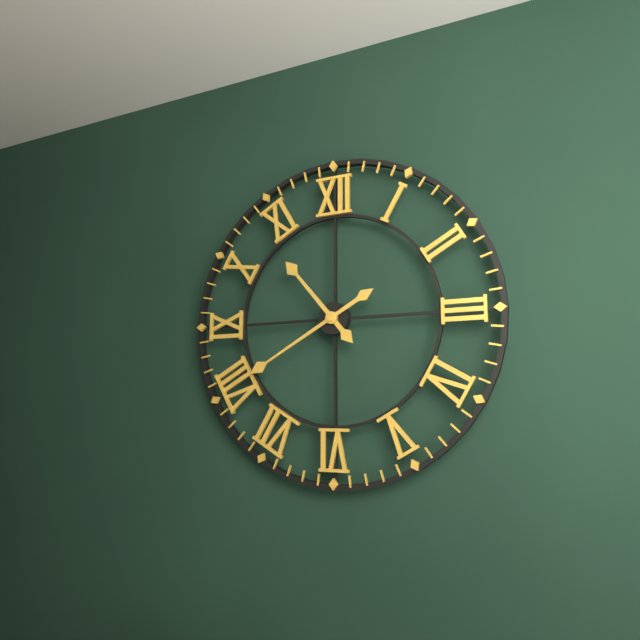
10,40
